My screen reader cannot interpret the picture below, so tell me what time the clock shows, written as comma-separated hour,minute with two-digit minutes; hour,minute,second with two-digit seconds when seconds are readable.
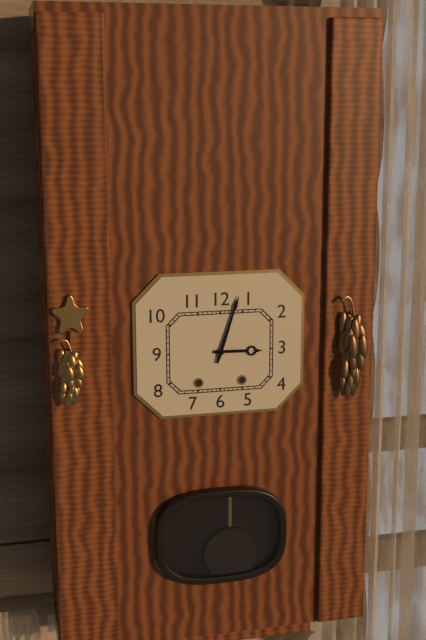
3,03
